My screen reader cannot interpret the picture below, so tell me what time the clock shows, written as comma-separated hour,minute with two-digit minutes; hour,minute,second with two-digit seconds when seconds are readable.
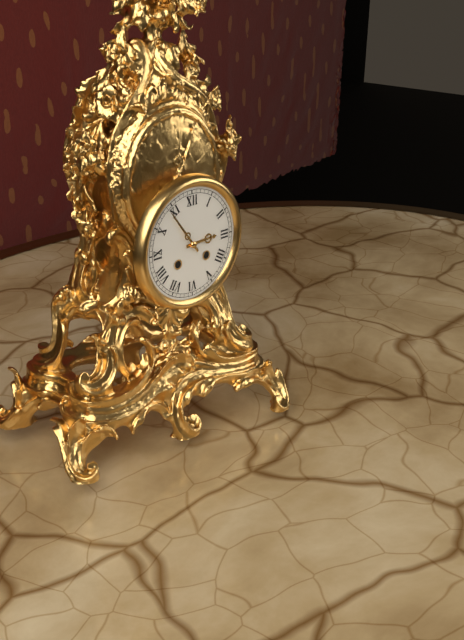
2,54
